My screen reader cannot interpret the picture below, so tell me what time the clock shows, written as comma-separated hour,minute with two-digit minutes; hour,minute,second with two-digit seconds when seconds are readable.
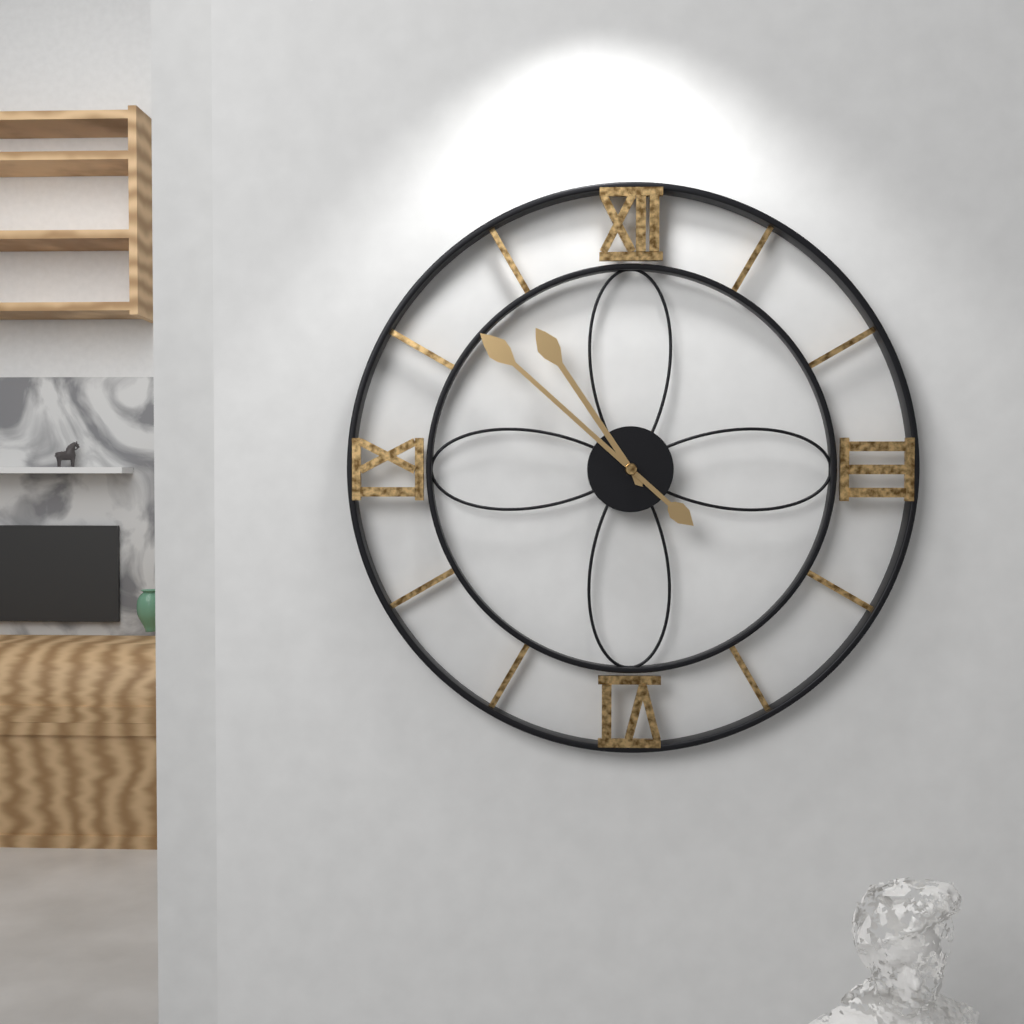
10,52
